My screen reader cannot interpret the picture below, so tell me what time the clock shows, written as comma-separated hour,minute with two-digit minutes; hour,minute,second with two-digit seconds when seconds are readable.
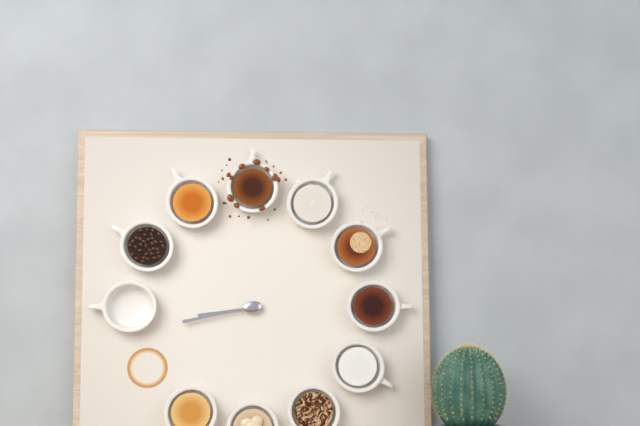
8,43
